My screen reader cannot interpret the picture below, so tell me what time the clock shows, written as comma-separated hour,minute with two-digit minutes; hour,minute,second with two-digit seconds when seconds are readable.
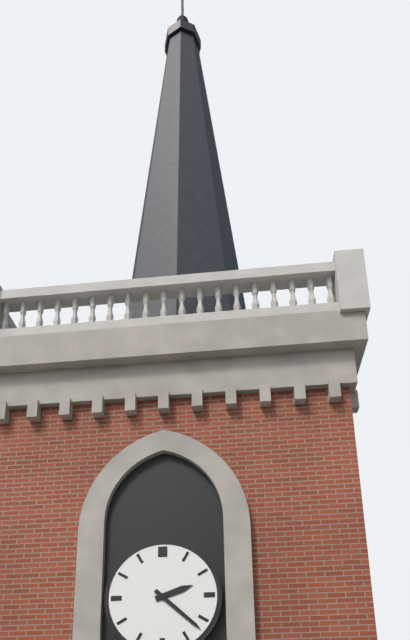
2,22
